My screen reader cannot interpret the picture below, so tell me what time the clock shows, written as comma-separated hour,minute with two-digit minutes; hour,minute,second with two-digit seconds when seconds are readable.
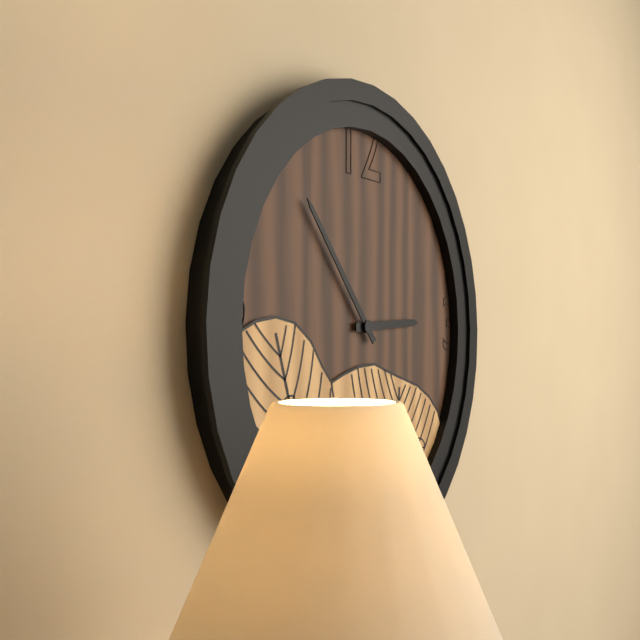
2,53
